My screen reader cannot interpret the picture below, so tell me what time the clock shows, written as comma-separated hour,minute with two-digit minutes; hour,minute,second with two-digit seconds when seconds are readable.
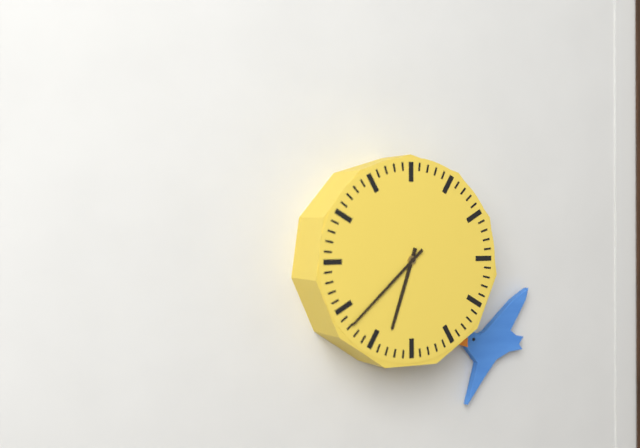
6,38
